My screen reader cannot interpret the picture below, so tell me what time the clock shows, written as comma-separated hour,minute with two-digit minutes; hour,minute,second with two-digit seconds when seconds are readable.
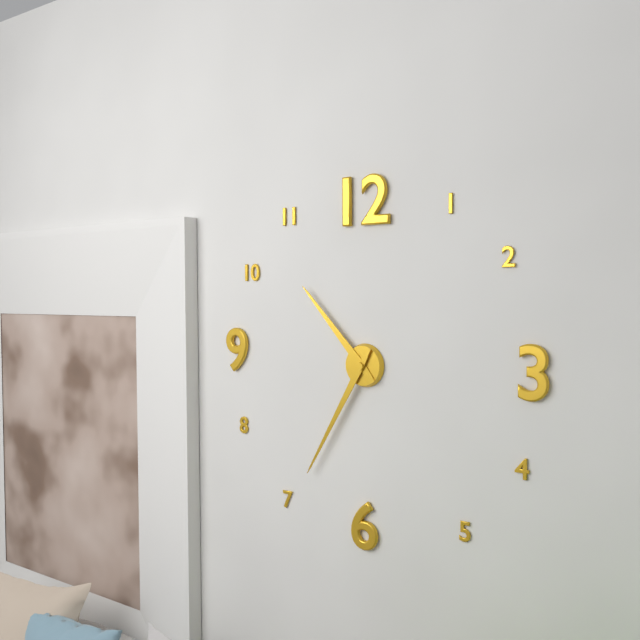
10,35
